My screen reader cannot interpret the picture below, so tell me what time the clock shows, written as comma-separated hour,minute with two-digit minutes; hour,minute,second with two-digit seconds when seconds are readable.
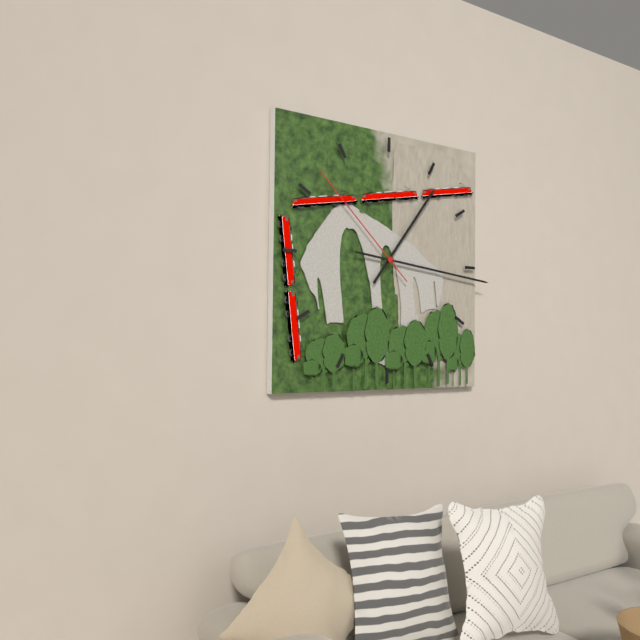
1,16,52
